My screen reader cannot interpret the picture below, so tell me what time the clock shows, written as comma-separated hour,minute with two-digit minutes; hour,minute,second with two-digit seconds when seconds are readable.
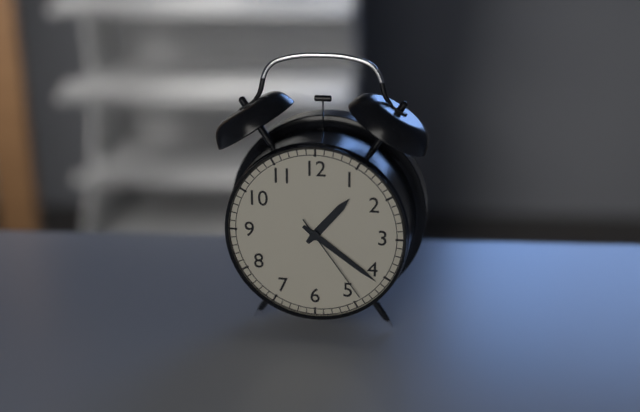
1,21,24
